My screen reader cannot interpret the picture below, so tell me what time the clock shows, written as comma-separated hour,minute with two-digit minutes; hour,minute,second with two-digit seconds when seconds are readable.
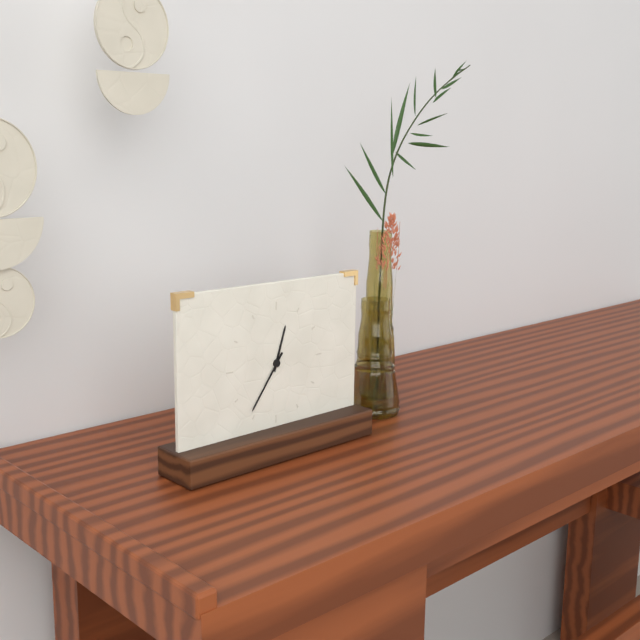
12,36
